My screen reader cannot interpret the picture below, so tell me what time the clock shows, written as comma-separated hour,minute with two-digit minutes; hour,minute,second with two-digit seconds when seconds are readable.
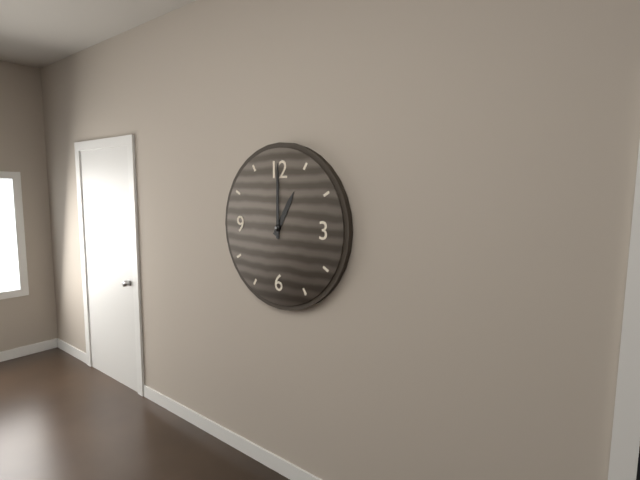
1,00
